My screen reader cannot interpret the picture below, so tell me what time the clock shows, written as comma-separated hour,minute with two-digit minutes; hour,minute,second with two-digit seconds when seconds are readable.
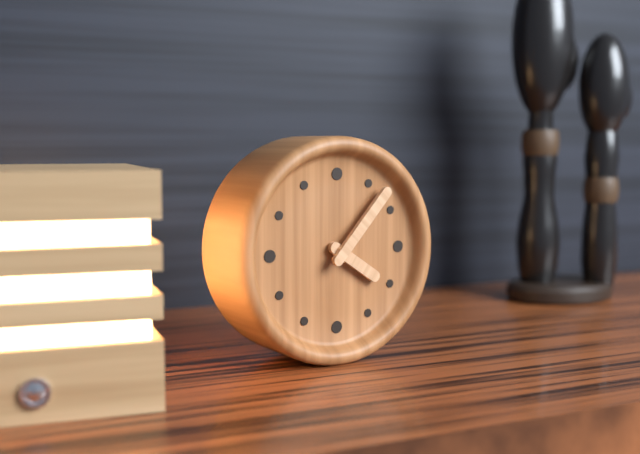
4,07
